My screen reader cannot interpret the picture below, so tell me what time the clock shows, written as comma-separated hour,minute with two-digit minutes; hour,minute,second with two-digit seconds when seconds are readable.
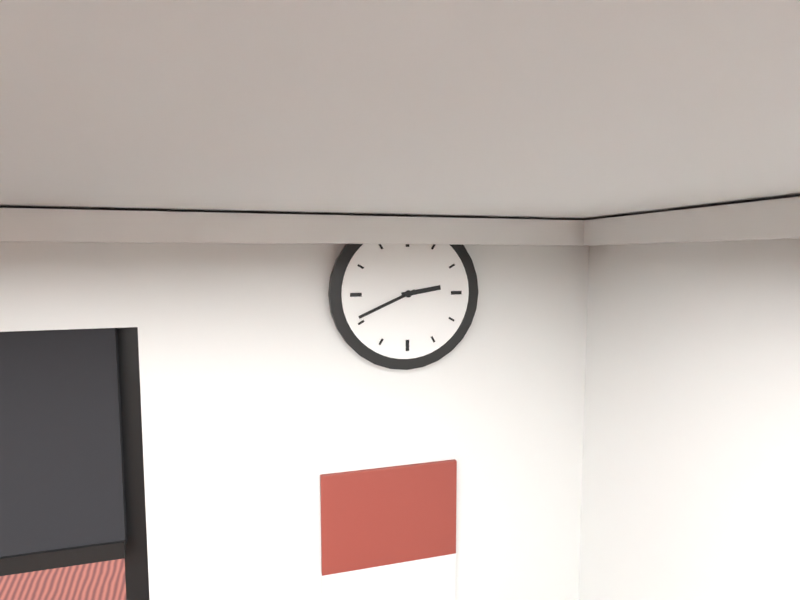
2,41
